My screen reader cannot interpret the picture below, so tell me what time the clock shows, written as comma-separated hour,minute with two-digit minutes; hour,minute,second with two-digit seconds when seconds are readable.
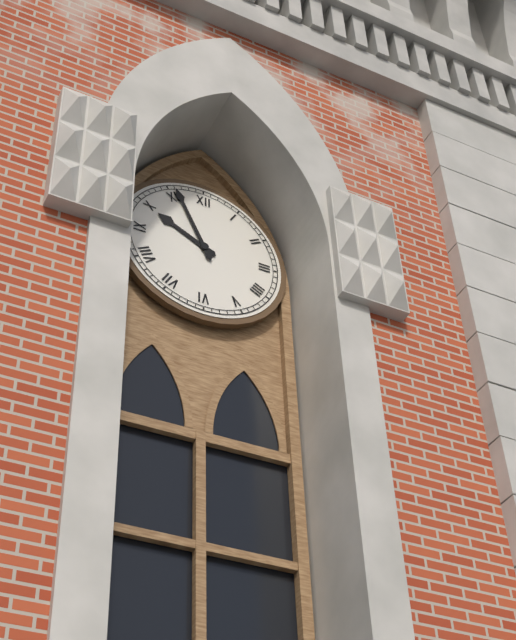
9,56
